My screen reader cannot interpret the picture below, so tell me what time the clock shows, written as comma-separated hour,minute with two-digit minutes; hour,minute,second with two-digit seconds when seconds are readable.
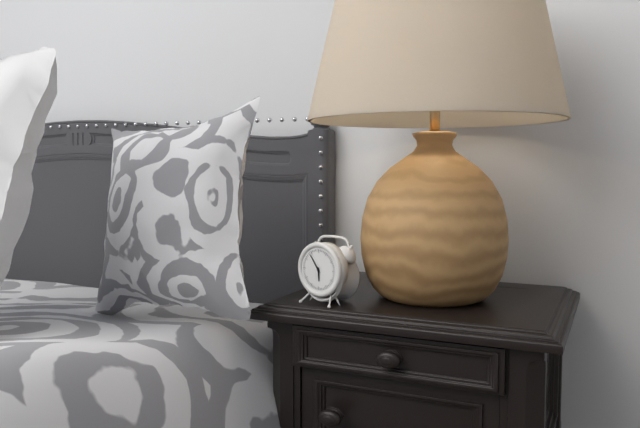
5,54
